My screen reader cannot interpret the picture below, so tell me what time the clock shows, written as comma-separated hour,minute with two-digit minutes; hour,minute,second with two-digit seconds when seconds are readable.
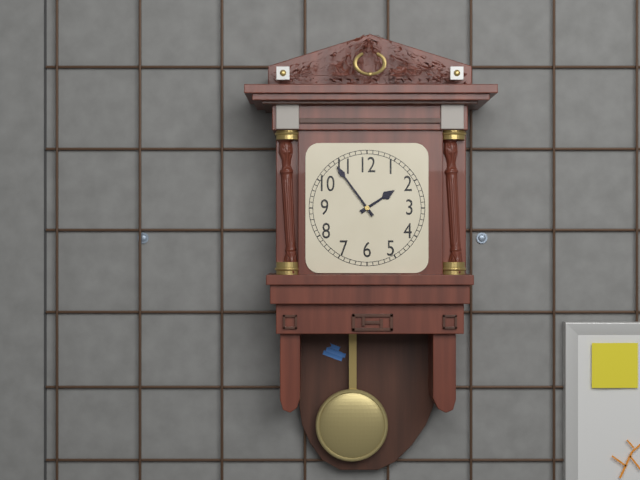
1,54
